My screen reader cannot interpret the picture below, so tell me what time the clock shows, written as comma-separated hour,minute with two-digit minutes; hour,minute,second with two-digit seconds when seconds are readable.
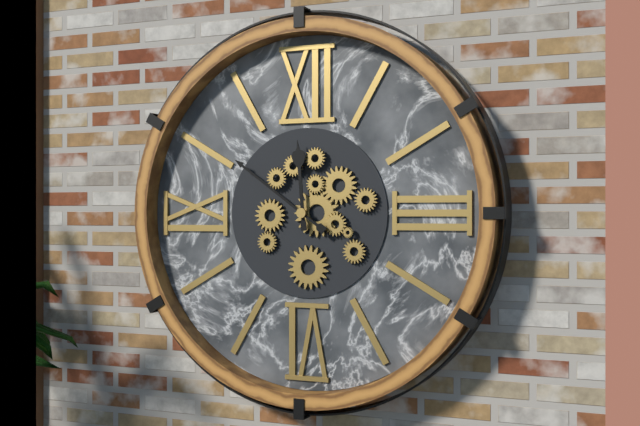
11,51
